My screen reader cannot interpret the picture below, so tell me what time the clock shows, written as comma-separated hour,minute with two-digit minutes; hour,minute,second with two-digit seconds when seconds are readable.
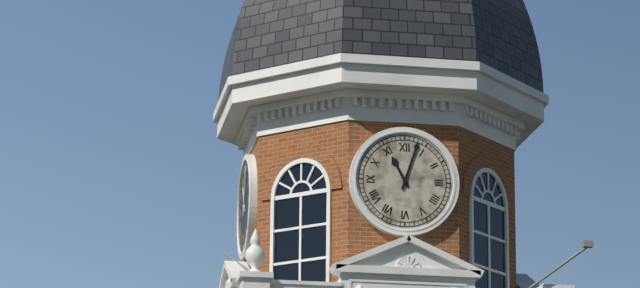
11,03
